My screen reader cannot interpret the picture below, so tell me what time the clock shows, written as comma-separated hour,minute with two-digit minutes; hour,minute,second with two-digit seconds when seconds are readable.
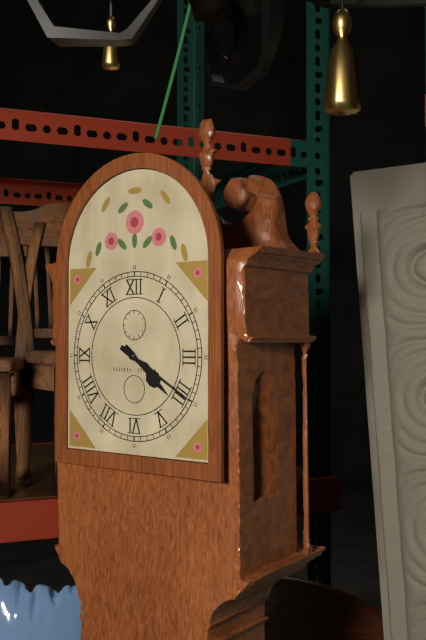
4,20
